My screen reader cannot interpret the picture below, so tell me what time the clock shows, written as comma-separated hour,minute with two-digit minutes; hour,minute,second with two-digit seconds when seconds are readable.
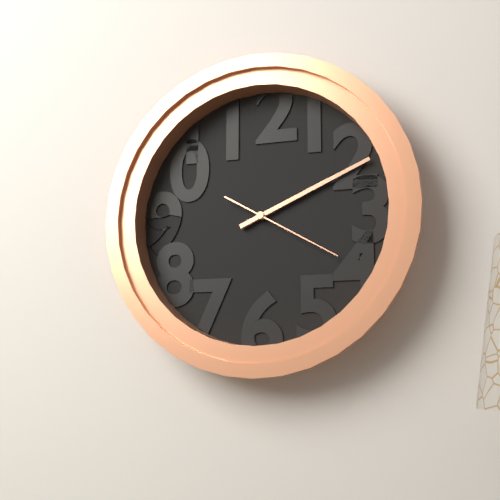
2,11,20
